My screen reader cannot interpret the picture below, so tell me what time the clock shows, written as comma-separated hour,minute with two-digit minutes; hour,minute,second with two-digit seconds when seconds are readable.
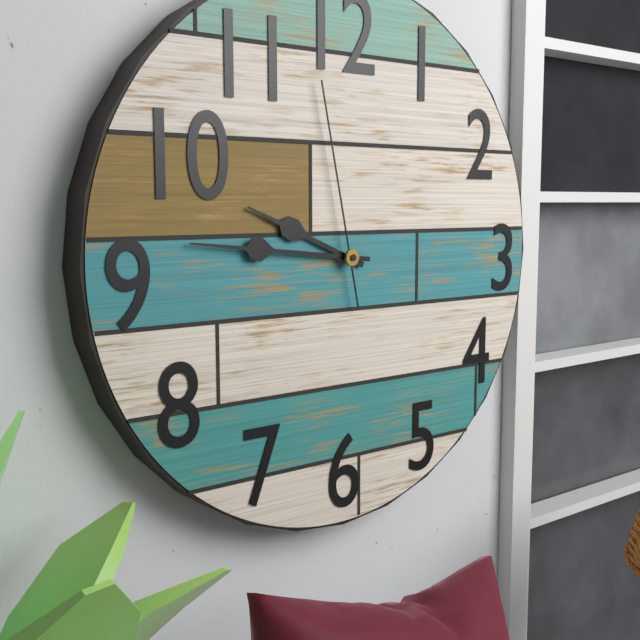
9,46,58
